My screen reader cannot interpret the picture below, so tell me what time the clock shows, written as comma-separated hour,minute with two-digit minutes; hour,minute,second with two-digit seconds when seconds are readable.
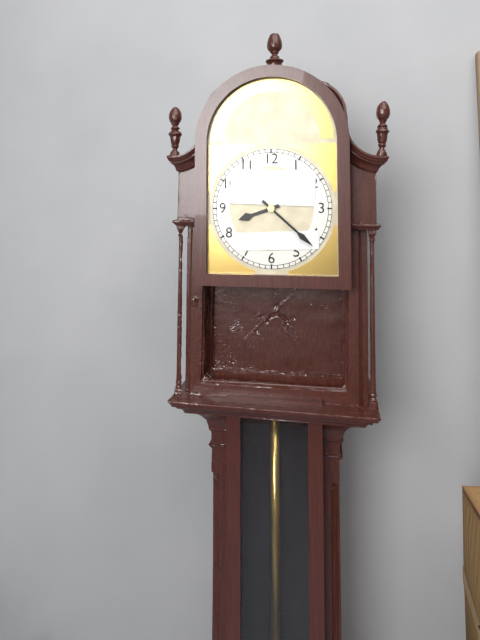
8,22
